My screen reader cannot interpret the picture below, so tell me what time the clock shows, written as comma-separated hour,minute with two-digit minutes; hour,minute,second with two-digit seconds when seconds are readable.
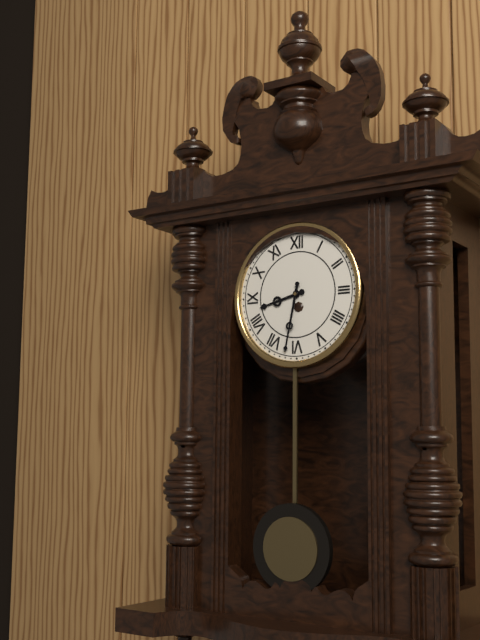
8,32
